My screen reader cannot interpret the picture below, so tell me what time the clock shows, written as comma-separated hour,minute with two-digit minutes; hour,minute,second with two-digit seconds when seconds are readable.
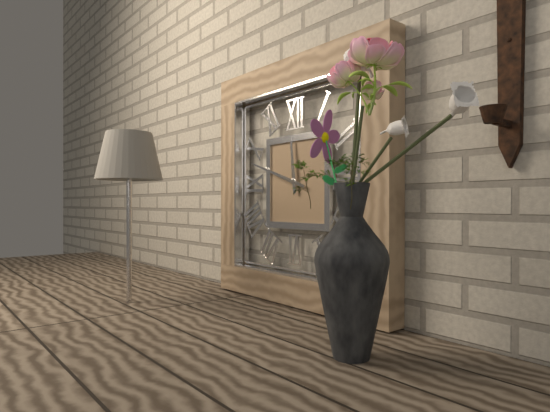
11,48
